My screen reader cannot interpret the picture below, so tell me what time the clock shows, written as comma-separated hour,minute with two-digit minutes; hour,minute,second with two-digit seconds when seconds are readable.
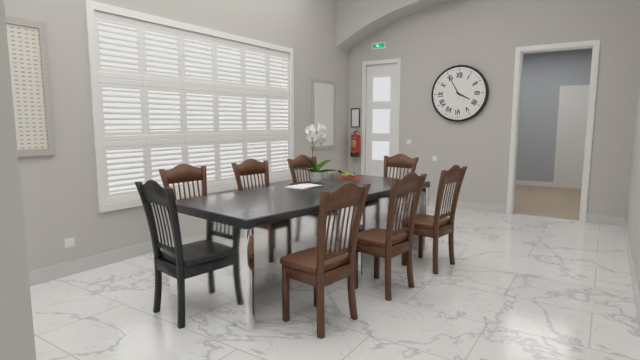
3,55
